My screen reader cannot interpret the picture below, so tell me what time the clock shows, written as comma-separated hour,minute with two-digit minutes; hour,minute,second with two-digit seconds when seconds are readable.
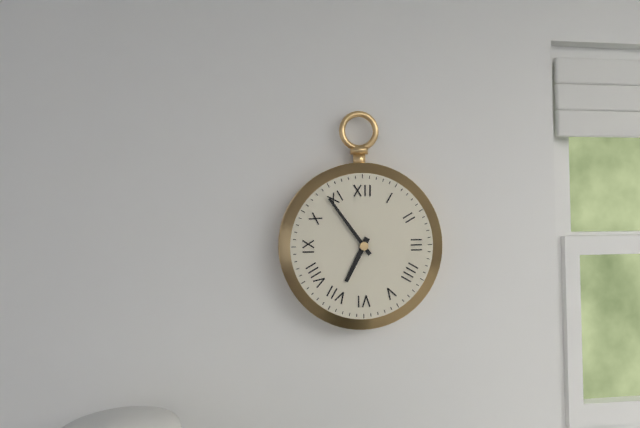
6,54
